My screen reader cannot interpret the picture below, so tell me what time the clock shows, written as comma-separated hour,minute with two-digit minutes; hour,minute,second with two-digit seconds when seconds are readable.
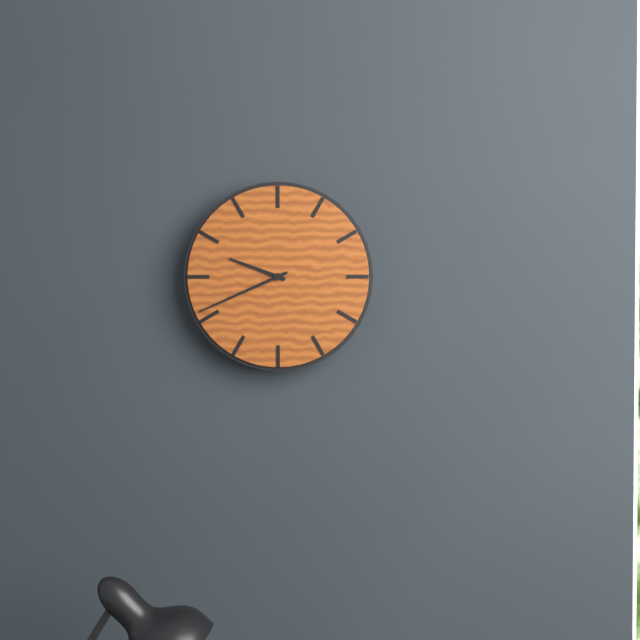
9,41
